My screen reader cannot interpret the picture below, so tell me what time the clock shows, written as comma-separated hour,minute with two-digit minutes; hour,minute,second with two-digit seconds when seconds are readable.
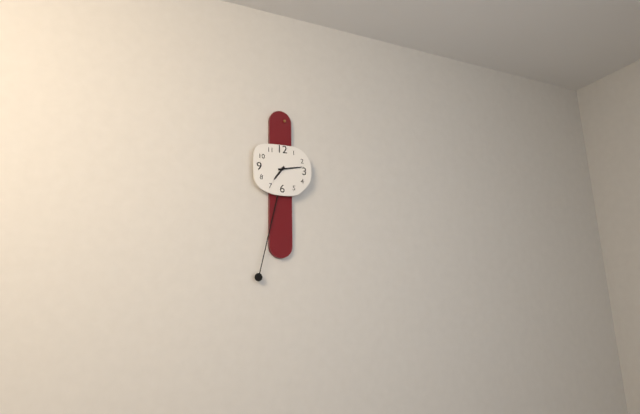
7,13
